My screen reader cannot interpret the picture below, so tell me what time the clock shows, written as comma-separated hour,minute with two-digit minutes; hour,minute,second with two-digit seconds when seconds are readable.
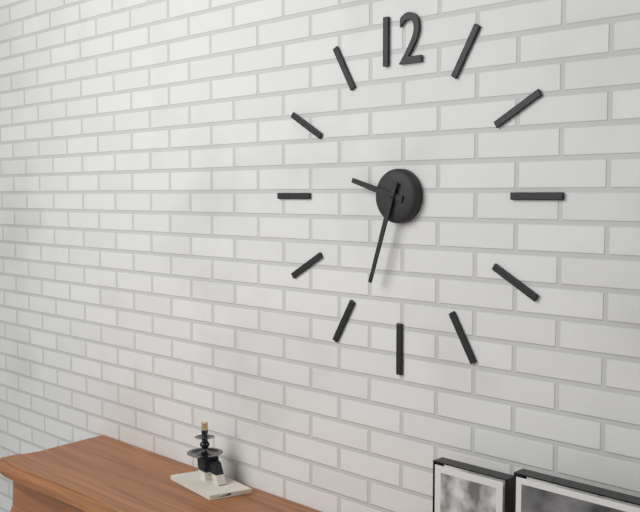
9,33
